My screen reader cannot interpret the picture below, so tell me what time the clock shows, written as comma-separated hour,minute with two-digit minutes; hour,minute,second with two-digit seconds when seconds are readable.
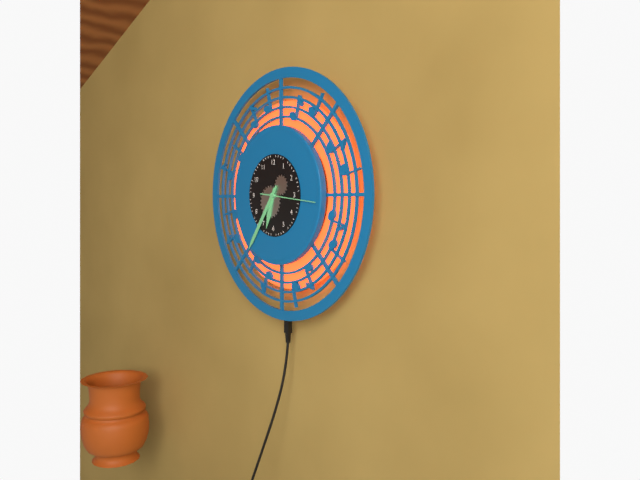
6,36
